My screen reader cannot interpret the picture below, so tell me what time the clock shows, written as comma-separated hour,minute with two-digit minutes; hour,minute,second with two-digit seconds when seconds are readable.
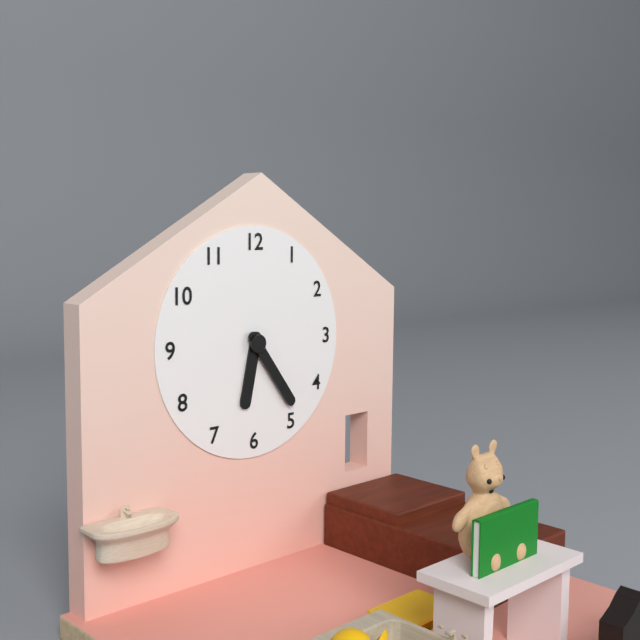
6,24
